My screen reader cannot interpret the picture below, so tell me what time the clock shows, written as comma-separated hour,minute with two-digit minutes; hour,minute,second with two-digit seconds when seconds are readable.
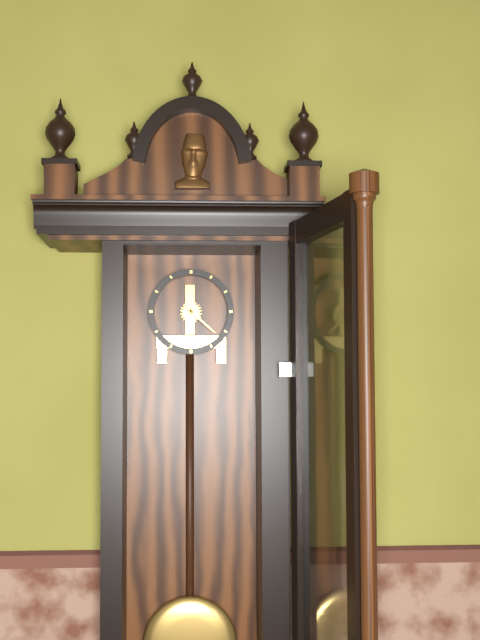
6,22
